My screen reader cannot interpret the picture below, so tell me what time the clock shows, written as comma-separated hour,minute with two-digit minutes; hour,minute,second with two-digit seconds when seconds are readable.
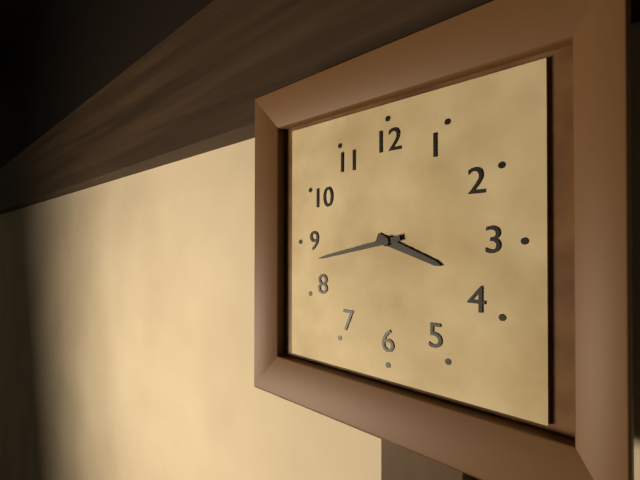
3,43
